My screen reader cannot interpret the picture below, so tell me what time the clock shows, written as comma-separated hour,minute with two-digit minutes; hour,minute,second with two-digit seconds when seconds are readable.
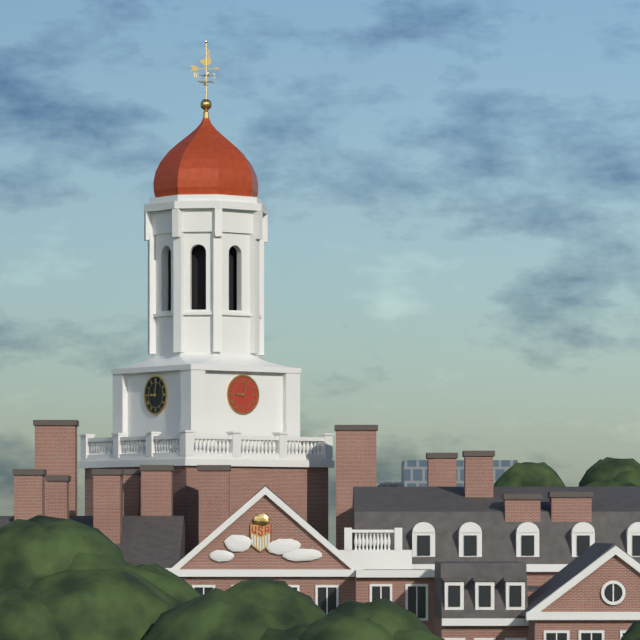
9,02
